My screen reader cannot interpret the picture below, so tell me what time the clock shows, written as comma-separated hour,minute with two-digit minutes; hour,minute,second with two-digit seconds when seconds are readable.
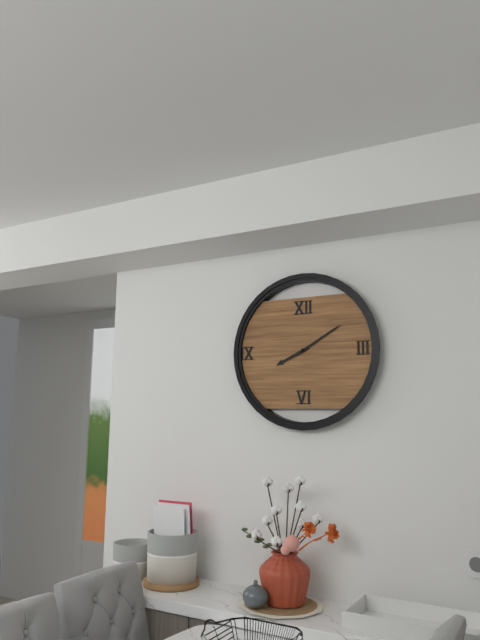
8,10
